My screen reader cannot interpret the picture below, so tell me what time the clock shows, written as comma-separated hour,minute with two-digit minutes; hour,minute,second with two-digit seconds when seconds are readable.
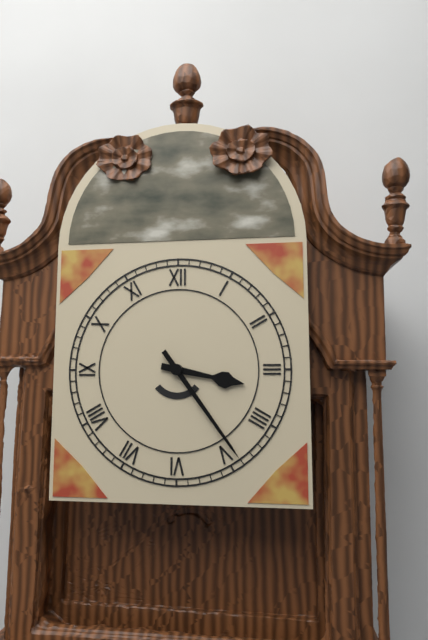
3,24
